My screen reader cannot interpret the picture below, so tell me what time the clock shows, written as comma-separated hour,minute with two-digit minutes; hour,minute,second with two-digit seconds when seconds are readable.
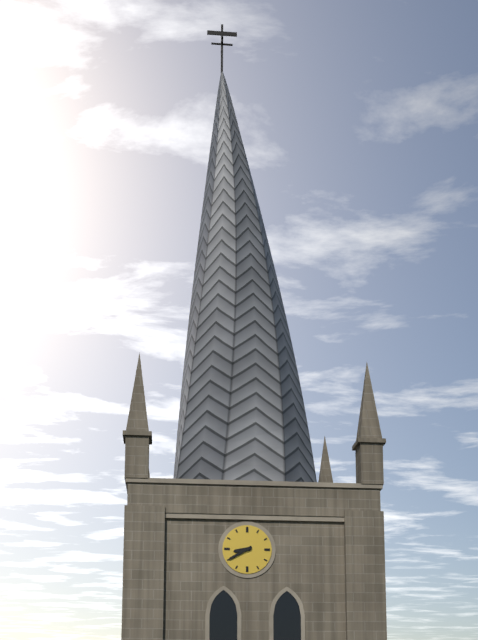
8,40
